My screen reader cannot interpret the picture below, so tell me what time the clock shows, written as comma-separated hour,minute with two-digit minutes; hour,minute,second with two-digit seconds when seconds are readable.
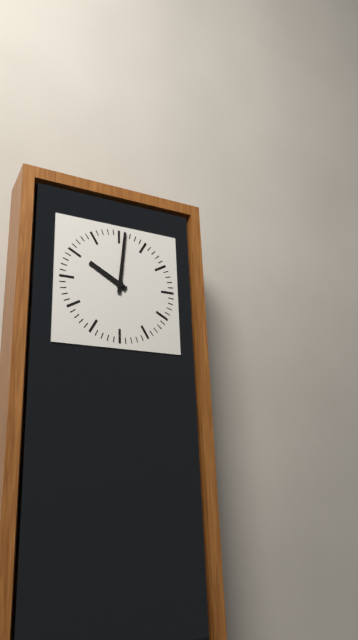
10,01
